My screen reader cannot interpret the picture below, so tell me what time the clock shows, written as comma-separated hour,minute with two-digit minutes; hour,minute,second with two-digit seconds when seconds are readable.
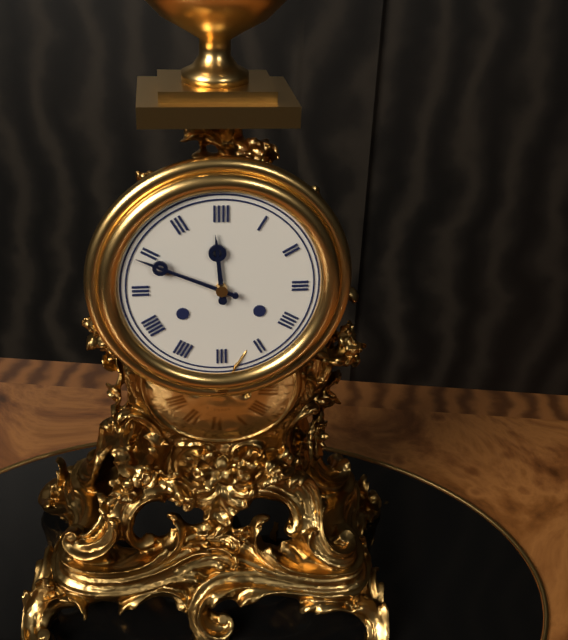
11,49
